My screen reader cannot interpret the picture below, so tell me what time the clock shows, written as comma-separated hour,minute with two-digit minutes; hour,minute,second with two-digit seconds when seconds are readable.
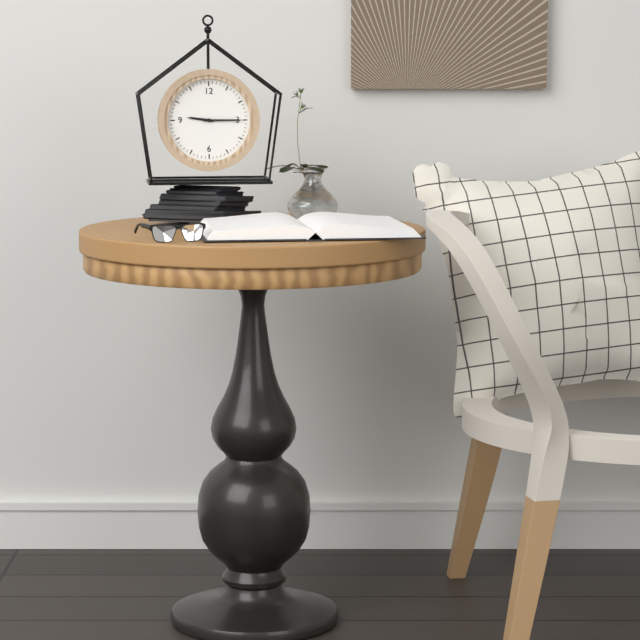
9,15
